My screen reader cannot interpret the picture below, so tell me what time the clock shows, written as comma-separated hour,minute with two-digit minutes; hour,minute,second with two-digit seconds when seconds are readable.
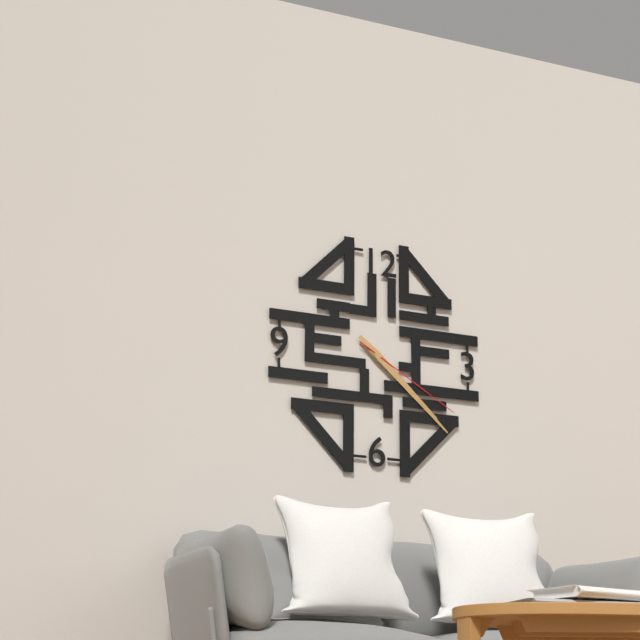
4,22,20
